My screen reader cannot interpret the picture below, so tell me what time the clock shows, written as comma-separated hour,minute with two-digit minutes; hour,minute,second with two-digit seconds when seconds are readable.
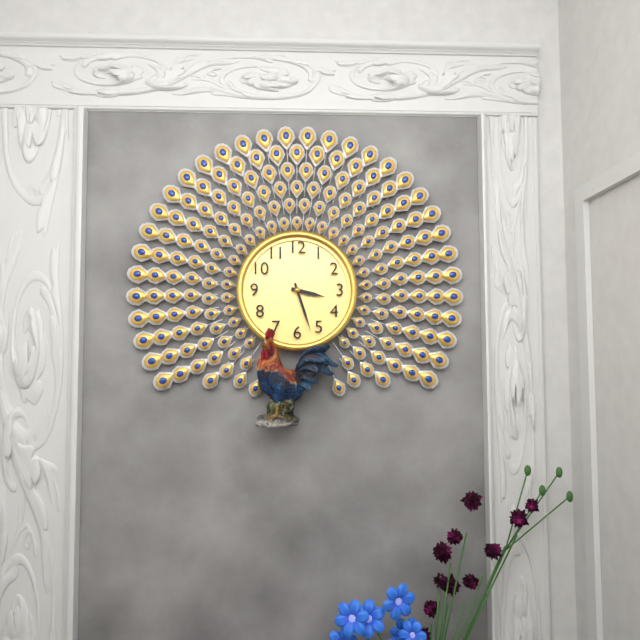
3,27
